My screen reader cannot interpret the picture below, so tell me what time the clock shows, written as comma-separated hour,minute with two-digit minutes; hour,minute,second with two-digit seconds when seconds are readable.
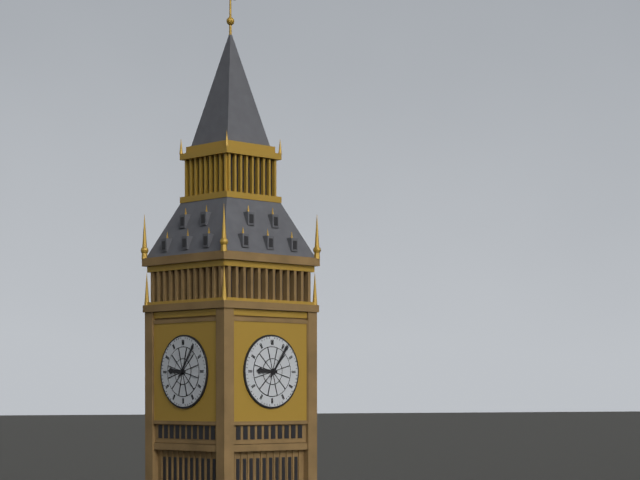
9,06
